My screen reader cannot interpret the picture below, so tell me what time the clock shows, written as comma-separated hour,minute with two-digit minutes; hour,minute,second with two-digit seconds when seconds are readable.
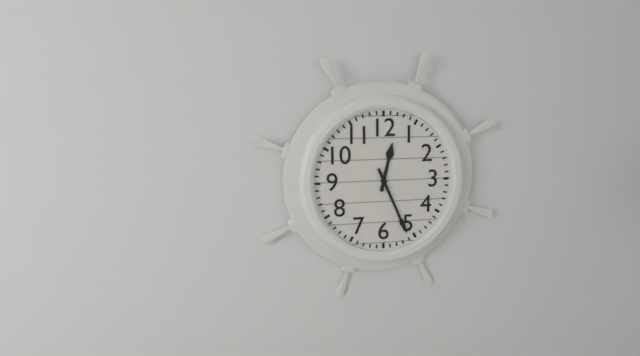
12,26
